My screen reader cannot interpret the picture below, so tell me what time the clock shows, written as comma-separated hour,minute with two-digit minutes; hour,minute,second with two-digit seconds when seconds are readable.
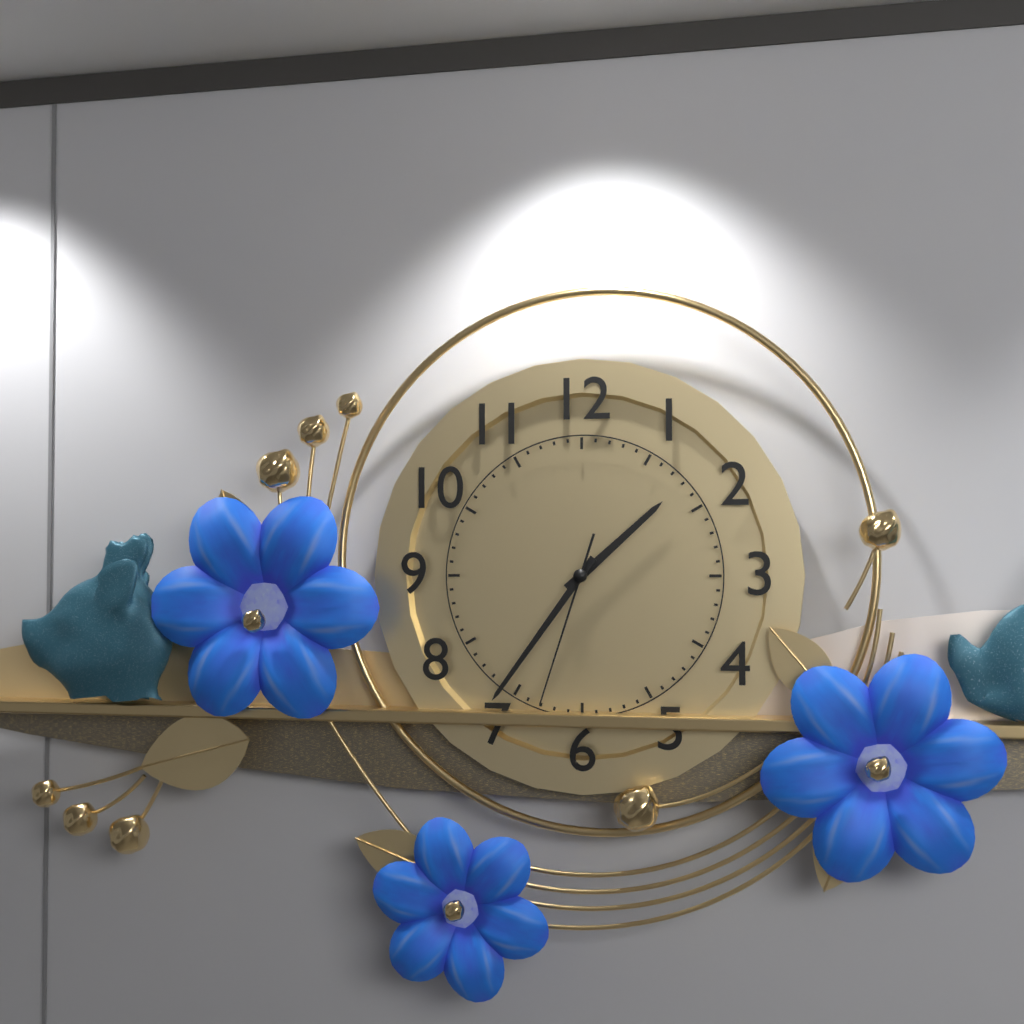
1,36,33
